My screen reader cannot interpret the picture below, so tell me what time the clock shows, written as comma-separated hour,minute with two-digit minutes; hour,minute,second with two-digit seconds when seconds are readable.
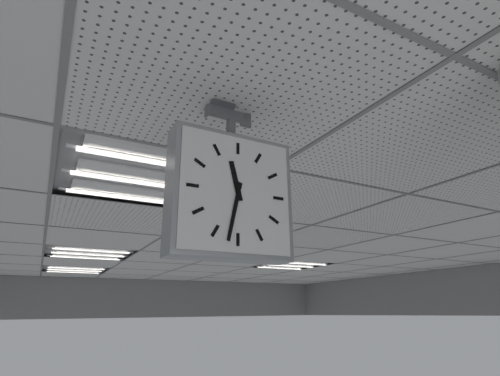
11,32
